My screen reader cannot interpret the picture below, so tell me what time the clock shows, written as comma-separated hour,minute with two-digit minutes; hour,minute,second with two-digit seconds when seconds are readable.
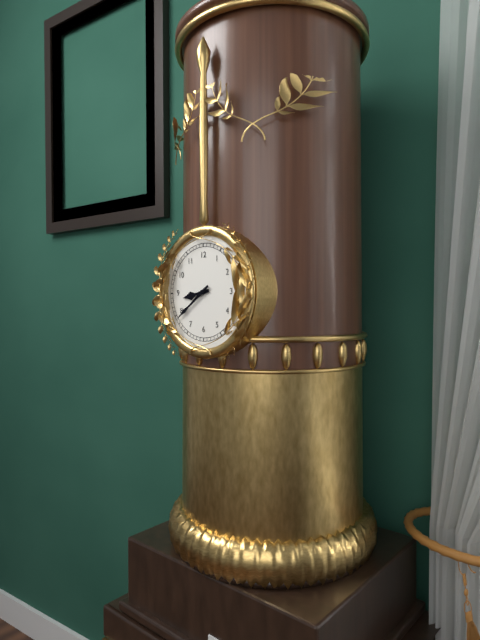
8,39
